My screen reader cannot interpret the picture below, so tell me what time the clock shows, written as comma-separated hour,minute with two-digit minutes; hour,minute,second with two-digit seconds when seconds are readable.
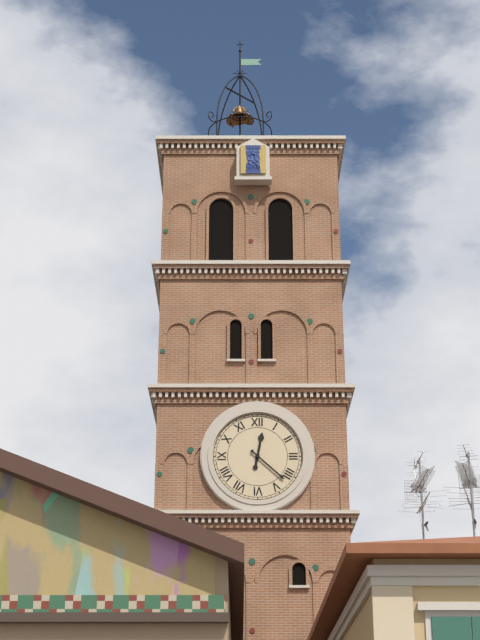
12,22
